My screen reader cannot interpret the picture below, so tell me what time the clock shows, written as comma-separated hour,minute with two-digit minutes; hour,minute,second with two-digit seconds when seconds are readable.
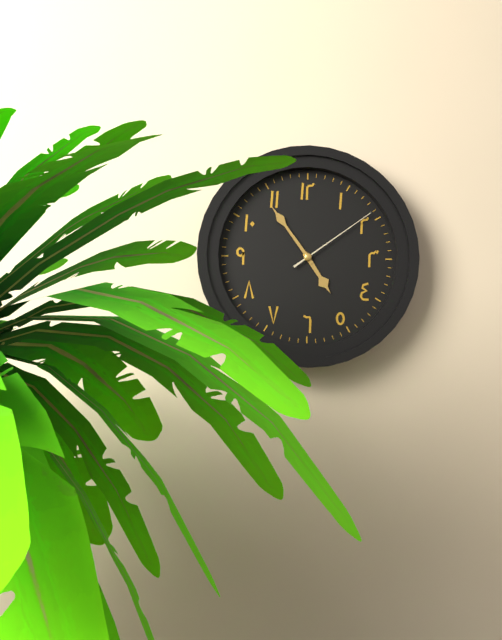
4,54,09
